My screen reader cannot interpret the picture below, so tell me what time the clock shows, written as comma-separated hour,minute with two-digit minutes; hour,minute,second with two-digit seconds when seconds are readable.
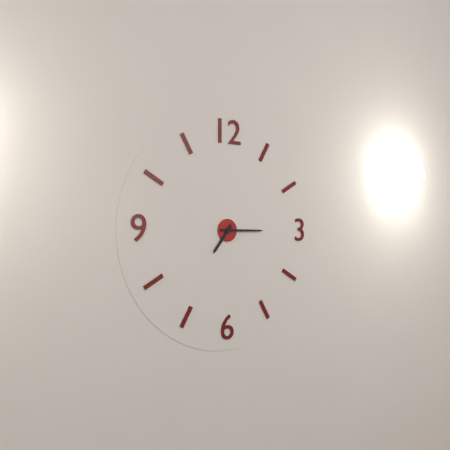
7,15
